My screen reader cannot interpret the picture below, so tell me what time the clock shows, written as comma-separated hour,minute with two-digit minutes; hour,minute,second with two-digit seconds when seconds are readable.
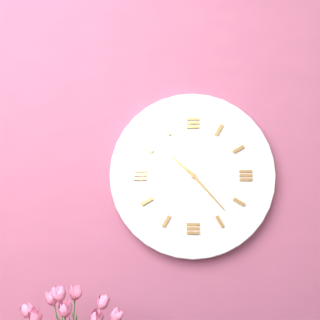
10,23
